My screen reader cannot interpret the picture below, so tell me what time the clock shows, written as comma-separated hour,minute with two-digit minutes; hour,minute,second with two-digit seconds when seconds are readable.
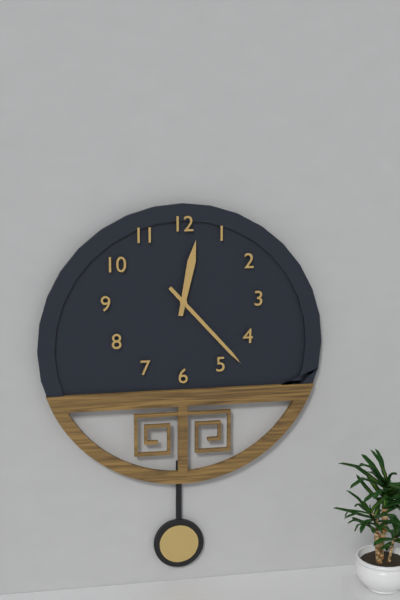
12,23
